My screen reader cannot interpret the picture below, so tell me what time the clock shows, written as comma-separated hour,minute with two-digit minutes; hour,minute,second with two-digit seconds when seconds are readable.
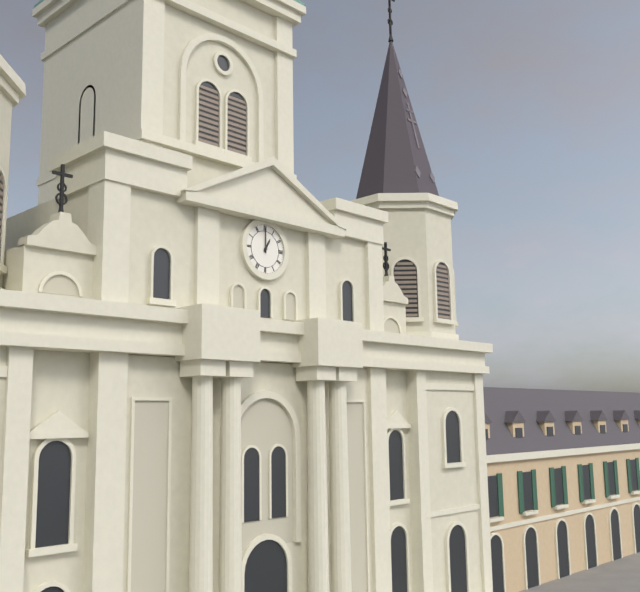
1,00
